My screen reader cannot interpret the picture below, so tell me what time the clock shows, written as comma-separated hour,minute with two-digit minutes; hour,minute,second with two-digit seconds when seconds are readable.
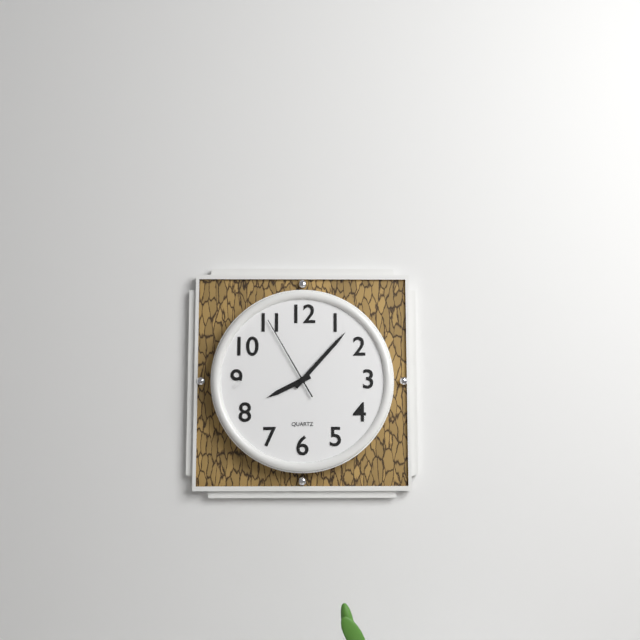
8,07,55
